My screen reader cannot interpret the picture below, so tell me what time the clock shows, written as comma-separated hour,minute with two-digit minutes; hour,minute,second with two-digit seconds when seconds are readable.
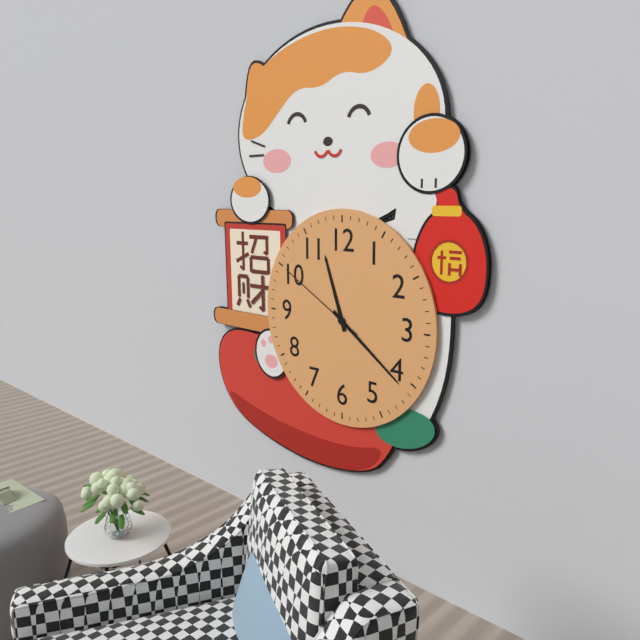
11,21,50
